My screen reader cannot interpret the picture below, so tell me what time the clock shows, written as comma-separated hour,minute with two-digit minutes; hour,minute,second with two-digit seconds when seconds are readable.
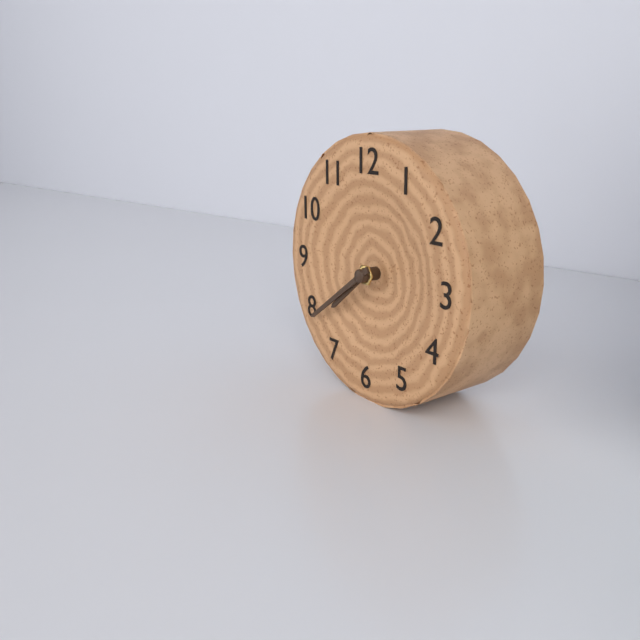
7,39
